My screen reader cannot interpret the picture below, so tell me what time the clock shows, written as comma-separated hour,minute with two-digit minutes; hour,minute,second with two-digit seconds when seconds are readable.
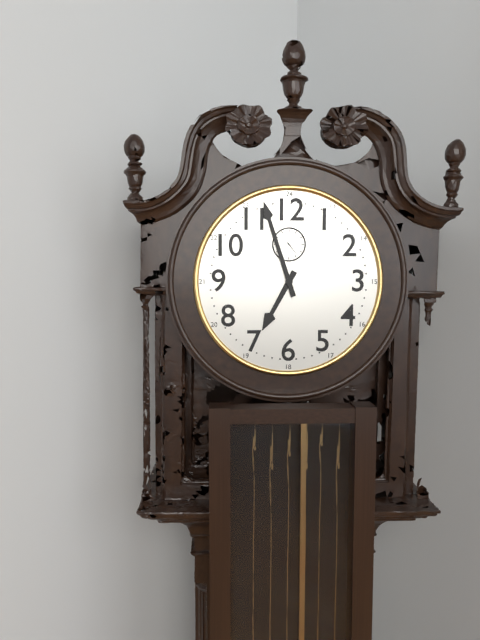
6,57
